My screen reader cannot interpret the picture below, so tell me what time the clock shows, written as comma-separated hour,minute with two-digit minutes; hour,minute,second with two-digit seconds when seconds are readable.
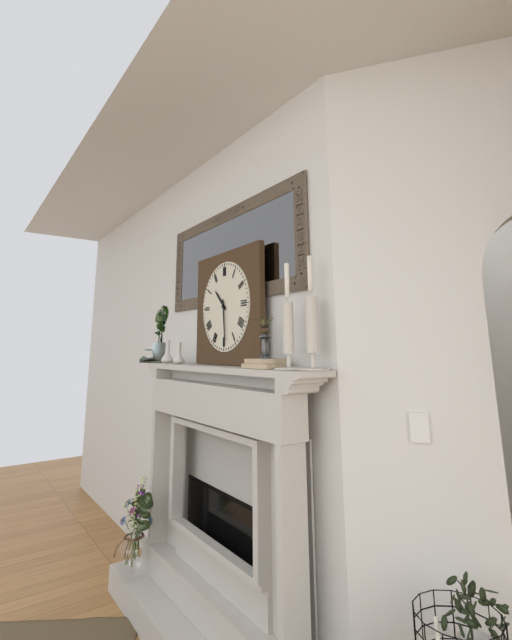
10,29
